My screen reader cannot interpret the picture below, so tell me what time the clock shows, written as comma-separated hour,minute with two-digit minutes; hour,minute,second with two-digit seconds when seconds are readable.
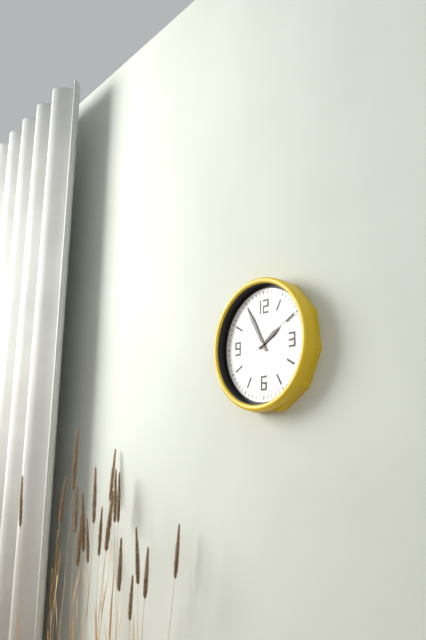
1,55,10
